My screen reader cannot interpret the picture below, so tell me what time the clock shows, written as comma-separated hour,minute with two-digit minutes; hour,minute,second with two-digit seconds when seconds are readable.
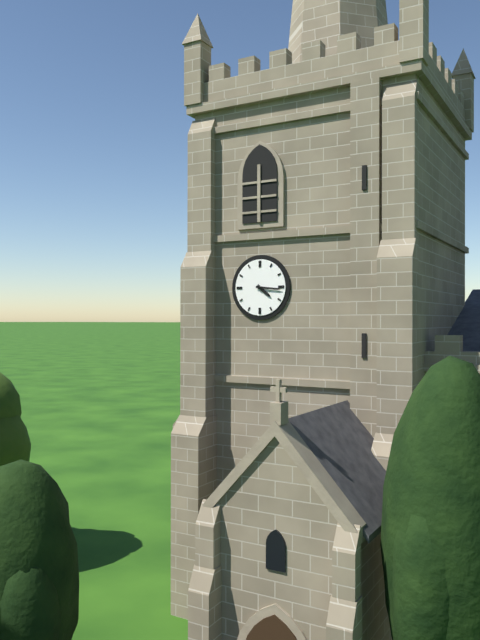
4,16
